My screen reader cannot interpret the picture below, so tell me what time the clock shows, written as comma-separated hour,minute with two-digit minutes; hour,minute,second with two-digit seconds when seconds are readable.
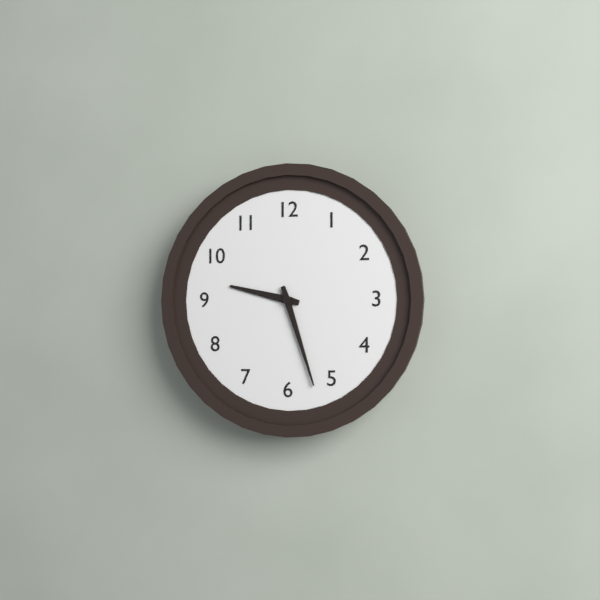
9,27
